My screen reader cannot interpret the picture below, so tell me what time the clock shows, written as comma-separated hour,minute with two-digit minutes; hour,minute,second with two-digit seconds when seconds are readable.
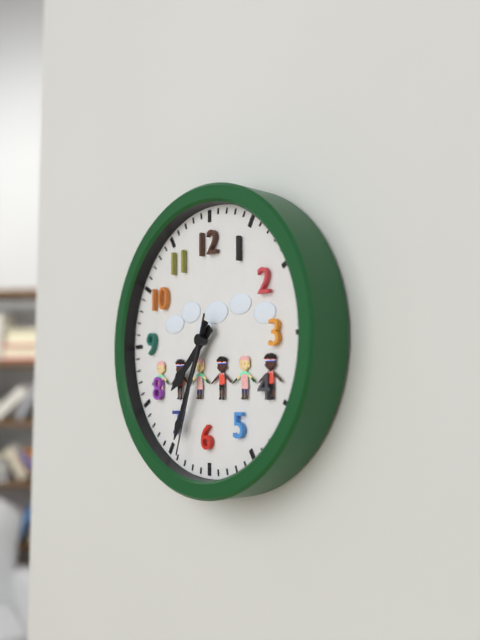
7,34,33
